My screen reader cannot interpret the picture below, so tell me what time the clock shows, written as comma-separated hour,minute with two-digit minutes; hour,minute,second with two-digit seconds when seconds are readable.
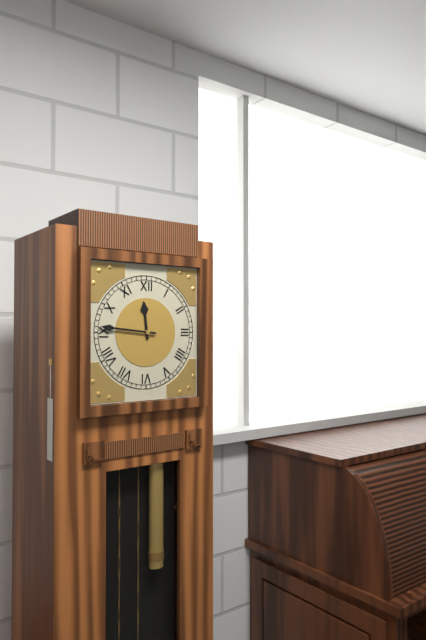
11,46
